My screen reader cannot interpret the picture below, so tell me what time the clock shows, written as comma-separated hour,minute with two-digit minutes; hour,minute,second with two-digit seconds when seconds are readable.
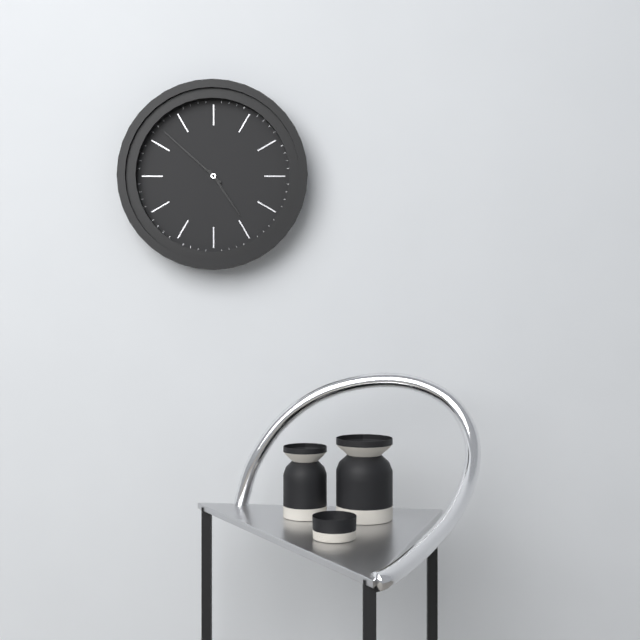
4,52
